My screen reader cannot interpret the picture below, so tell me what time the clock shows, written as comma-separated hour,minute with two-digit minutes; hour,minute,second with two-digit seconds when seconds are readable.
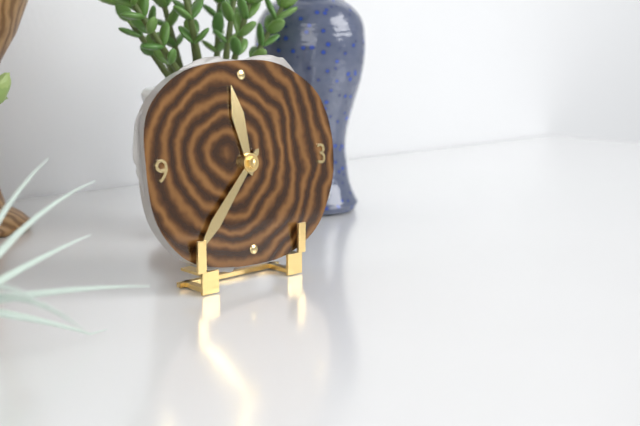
11,37
